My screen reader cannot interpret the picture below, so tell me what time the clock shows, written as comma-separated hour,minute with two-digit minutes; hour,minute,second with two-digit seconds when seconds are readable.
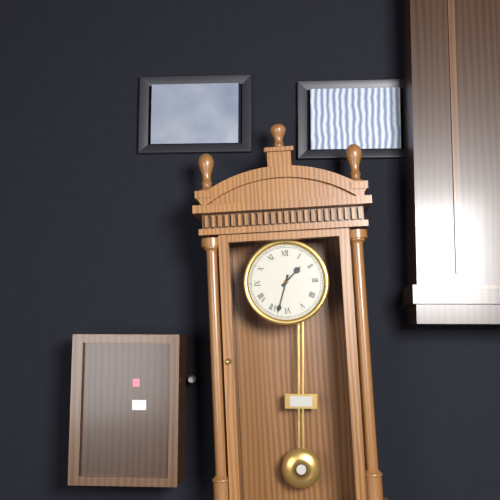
1,33
